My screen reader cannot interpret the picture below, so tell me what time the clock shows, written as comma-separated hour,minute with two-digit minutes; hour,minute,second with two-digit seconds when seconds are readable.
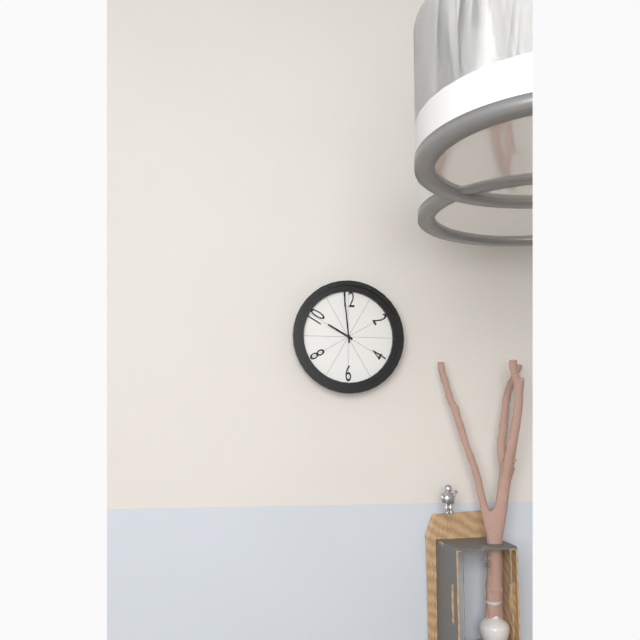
9,59
